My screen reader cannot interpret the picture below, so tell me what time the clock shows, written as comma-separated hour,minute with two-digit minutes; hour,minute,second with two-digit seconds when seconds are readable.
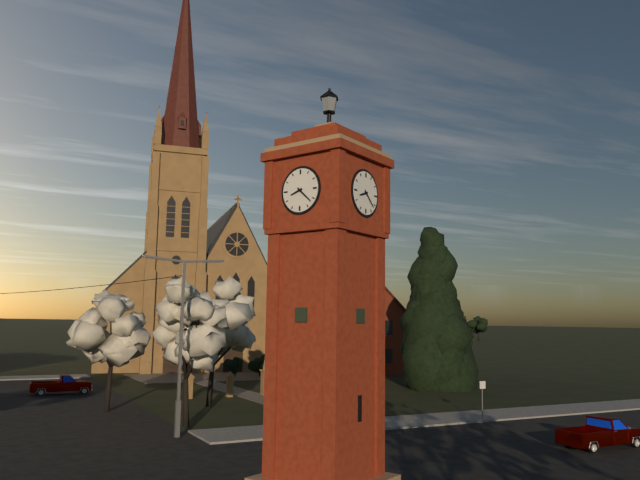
8,22
